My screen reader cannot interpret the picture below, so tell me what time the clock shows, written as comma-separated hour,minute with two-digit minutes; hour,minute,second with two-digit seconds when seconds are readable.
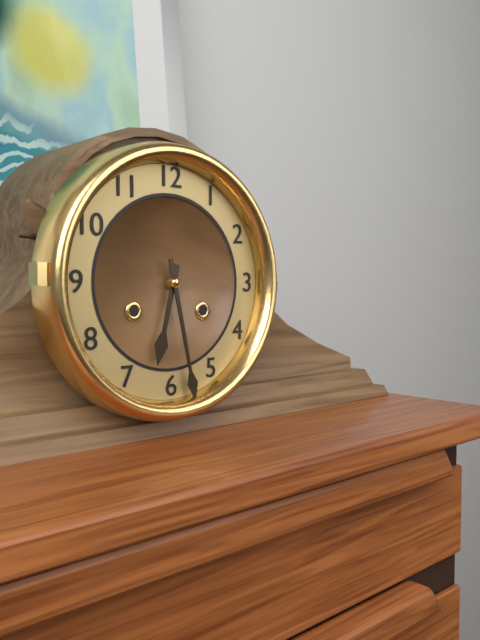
6,28
